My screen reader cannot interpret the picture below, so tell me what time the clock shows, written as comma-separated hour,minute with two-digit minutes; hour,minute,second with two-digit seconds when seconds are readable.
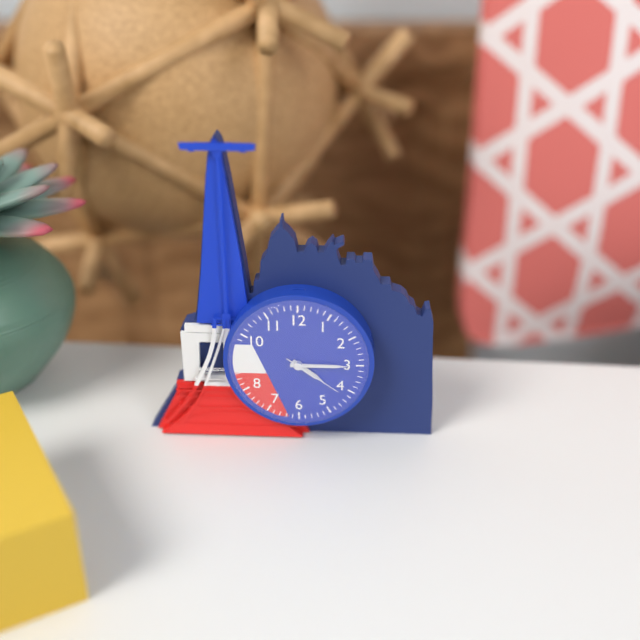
4,15,21
